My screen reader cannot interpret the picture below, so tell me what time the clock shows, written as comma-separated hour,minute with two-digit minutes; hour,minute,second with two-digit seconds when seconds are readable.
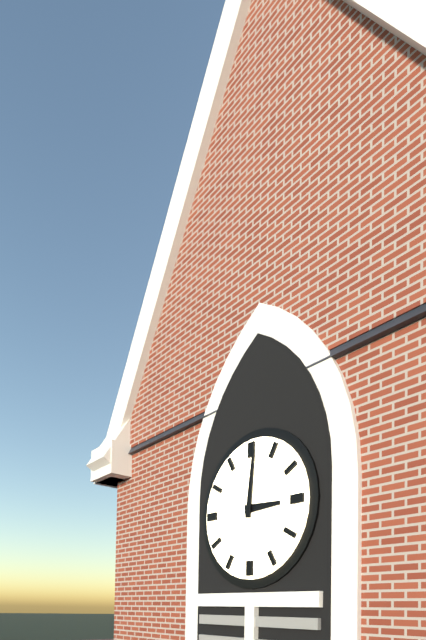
3,01
